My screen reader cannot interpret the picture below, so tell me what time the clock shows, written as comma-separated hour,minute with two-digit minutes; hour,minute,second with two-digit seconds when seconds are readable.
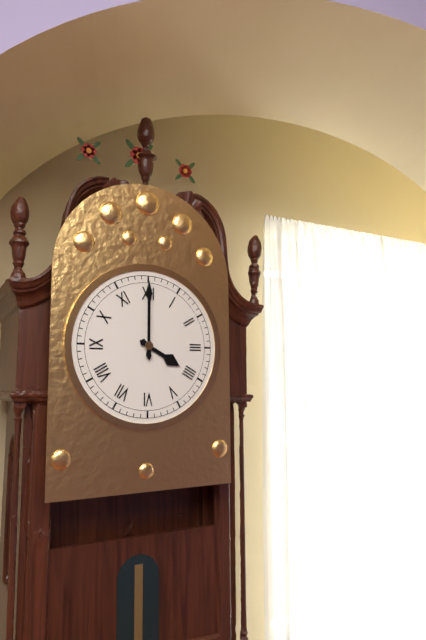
4,00
